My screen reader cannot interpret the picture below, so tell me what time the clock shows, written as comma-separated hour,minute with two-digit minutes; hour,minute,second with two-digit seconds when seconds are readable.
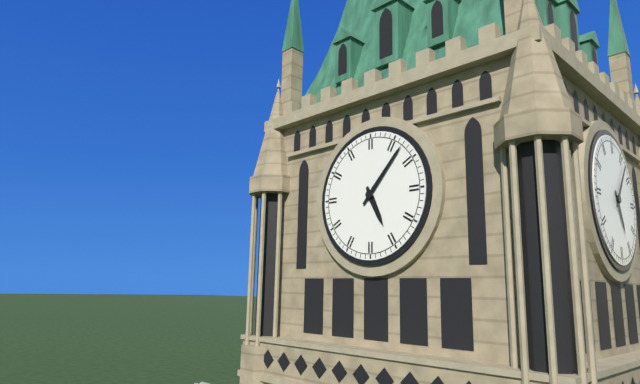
5,07
